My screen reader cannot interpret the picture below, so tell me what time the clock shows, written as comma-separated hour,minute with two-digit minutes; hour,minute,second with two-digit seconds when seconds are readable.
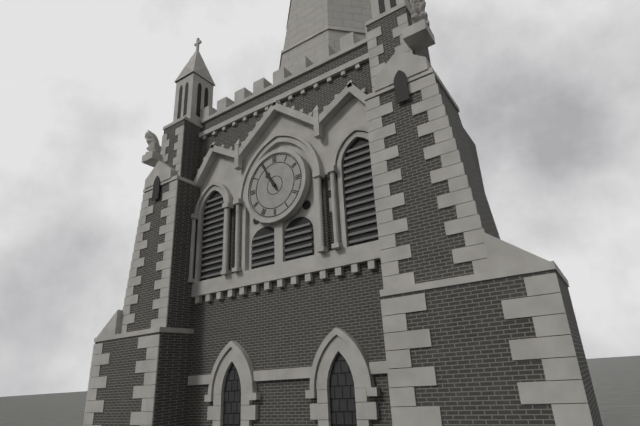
10,55
